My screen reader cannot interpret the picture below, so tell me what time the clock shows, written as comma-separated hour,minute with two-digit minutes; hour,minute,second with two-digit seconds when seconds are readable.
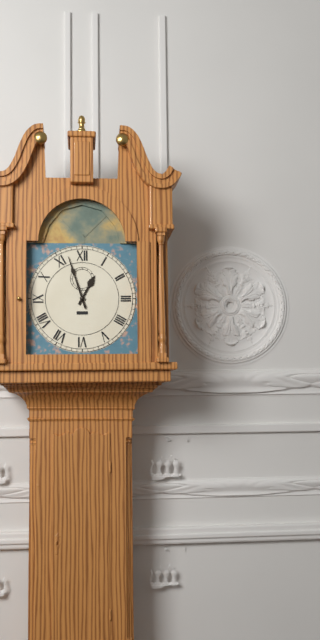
12,57
